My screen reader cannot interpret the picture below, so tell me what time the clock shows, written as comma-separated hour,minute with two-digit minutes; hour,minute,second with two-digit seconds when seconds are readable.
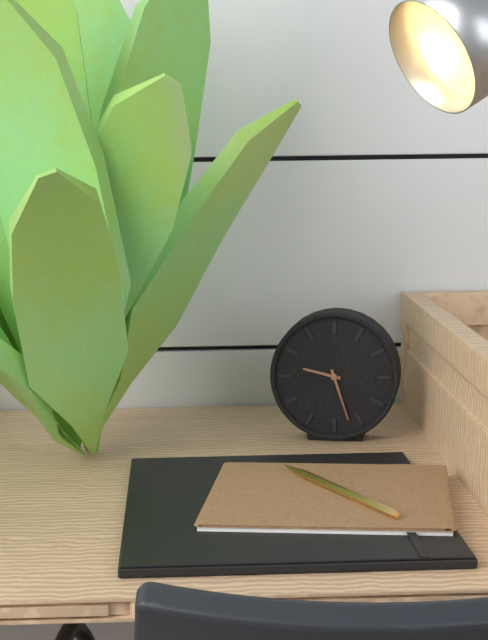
9,27
